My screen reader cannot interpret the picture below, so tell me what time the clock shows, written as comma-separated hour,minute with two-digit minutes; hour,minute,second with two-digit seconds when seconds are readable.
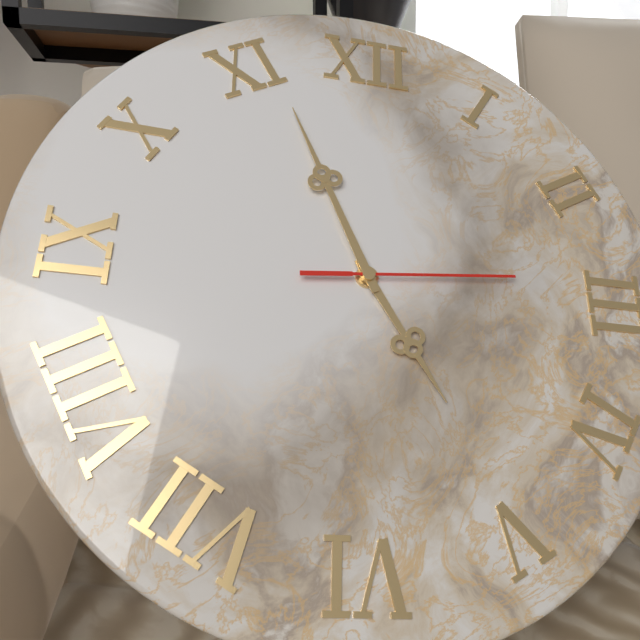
4,56,14
